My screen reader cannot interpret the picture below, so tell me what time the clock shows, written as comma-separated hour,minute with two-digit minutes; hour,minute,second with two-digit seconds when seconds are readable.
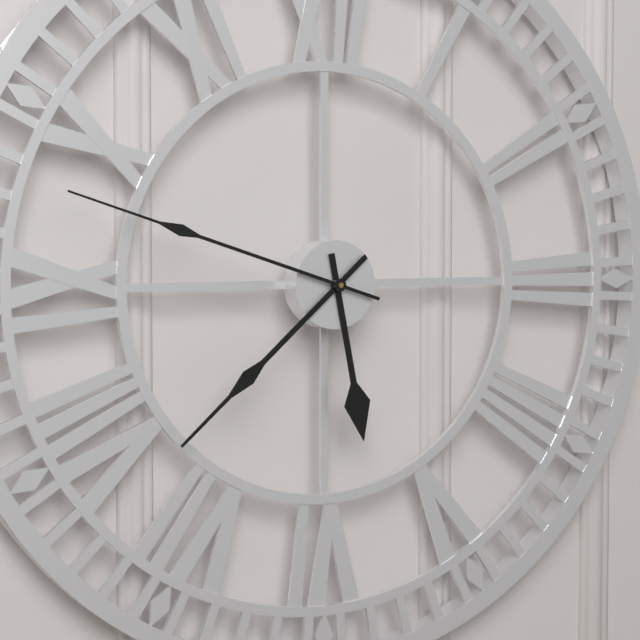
5,38,48
